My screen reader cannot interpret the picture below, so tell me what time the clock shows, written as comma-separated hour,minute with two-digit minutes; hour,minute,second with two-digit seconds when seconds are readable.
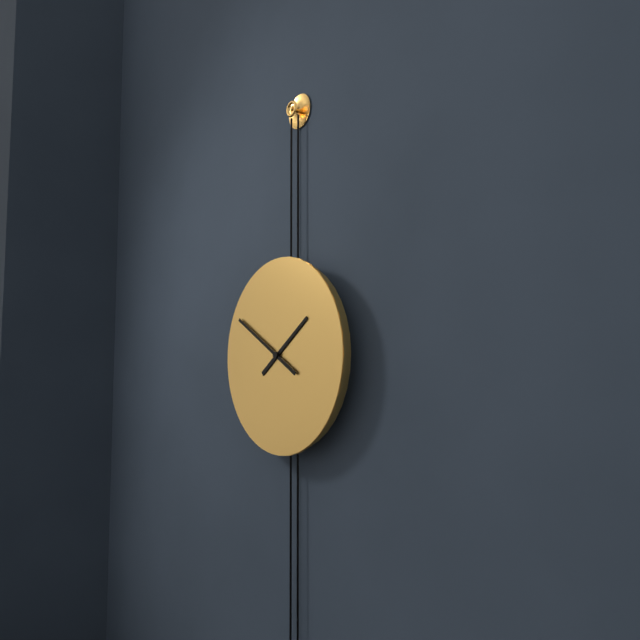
1,50
